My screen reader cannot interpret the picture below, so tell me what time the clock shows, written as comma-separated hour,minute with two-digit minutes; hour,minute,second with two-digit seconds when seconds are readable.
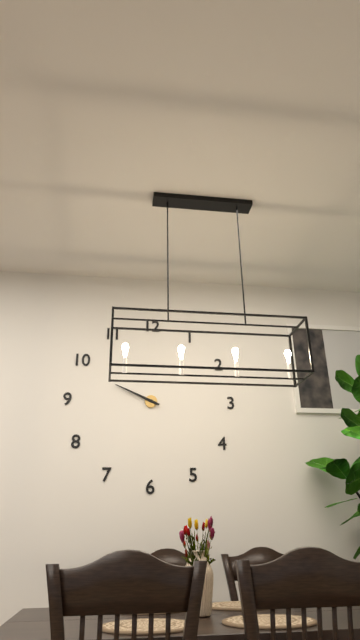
9,49
